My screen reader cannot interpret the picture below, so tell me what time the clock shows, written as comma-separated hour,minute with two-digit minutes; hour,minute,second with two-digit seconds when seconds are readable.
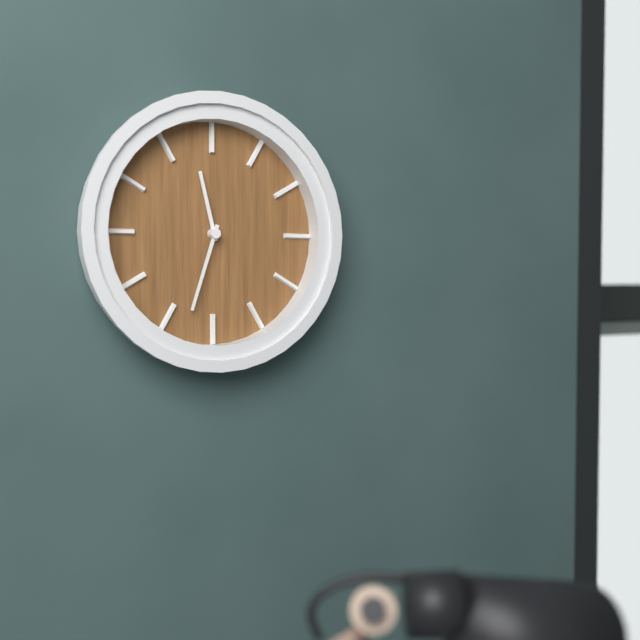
11,33
